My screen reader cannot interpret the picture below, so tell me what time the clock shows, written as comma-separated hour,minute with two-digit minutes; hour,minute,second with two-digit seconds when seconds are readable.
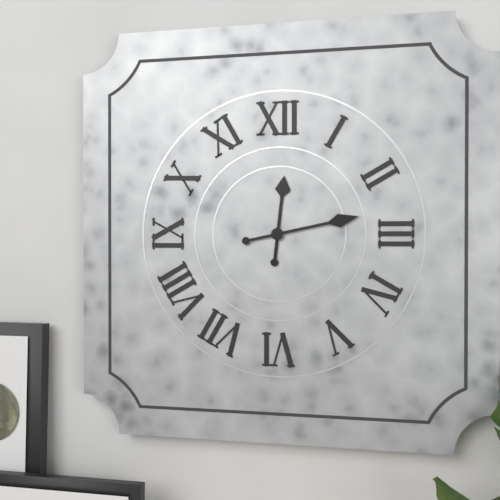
12,13
